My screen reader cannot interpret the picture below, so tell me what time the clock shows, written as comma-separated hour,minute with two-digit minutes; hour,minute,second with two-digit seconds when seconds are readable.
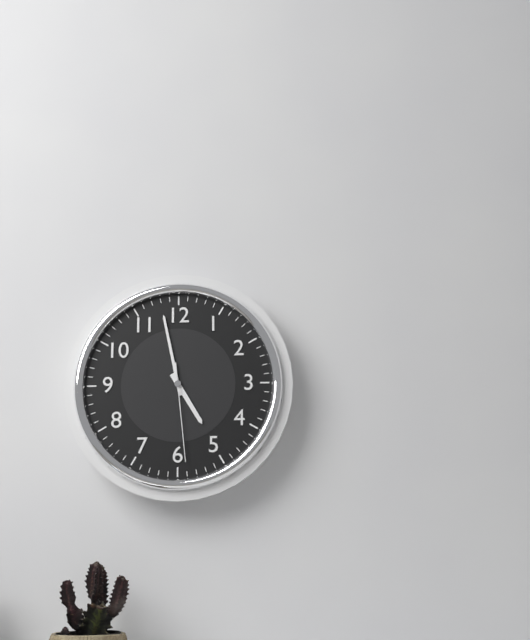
4,58,29
